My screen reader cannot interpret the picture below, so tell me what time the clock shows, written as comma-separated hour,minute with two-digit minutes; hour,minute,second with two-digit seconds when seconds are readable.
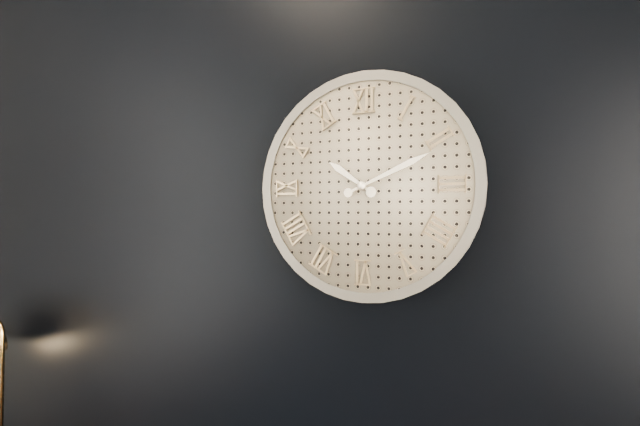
10,11
